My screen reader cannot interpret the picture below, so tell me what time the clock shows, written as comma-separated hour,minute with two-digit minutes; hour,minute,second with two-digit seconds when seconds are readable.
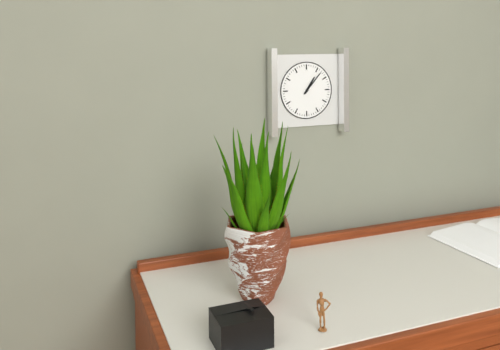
1,07
